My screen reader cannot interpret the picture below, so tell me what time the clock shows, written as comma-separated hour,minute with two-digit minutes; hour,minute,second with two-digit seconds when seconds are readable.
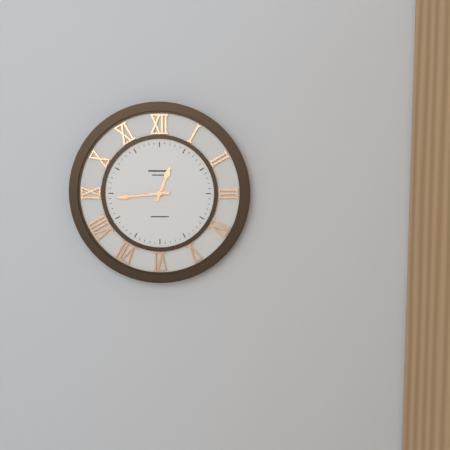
12,44
